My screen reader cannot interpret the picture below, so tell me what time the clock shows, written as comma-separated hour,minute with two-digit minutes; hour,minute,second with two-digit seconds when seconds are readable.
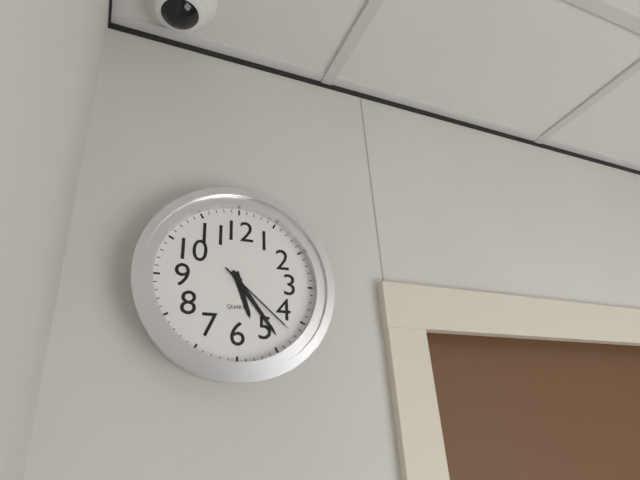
5,24,22
